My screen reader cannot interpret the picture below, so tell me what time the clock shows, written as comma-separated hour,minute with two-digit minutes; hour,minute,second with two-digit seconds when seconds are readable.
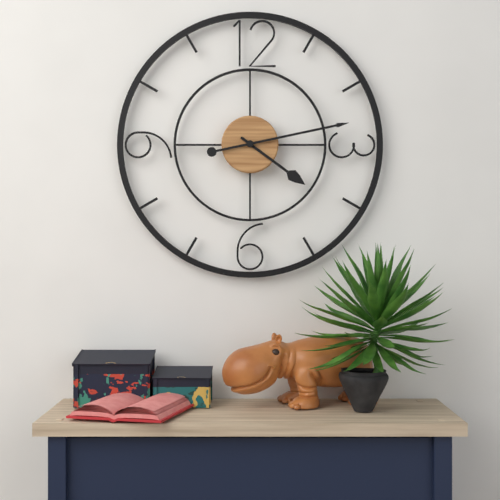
4,13
